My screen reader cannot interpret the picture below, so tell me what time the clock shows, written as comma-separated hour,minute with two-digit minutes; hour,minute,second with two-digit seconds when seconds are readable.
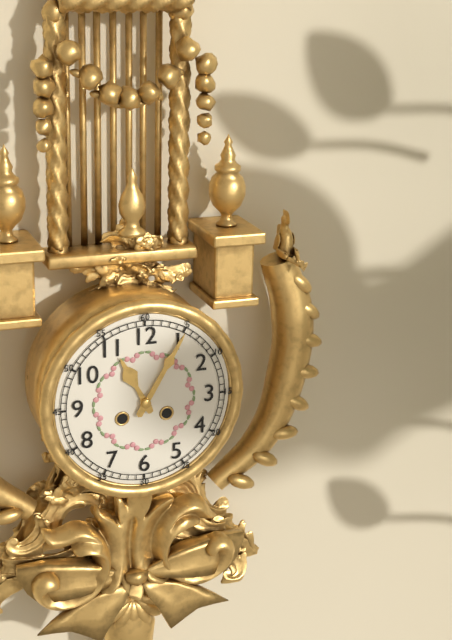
11,05
